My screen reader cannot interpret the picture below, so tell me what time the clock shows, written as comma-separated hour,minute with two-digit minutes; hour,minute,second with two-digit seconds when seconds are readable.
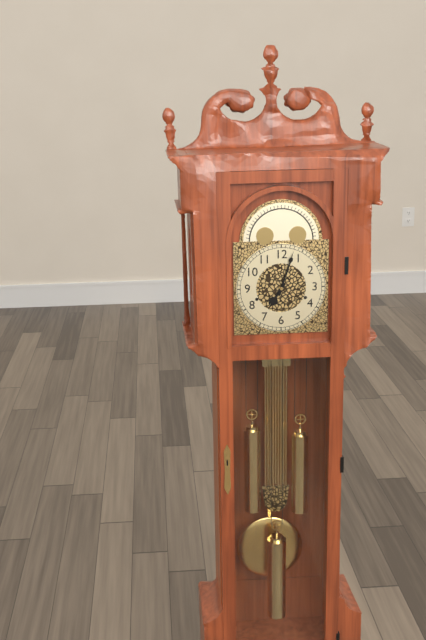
7,03
